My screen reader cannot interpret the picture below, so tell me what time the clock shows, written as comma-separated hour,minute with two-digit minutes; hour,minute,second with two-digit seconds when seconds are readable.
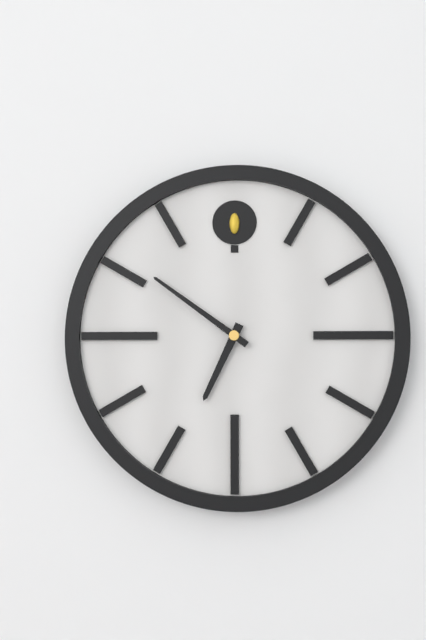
6,51
